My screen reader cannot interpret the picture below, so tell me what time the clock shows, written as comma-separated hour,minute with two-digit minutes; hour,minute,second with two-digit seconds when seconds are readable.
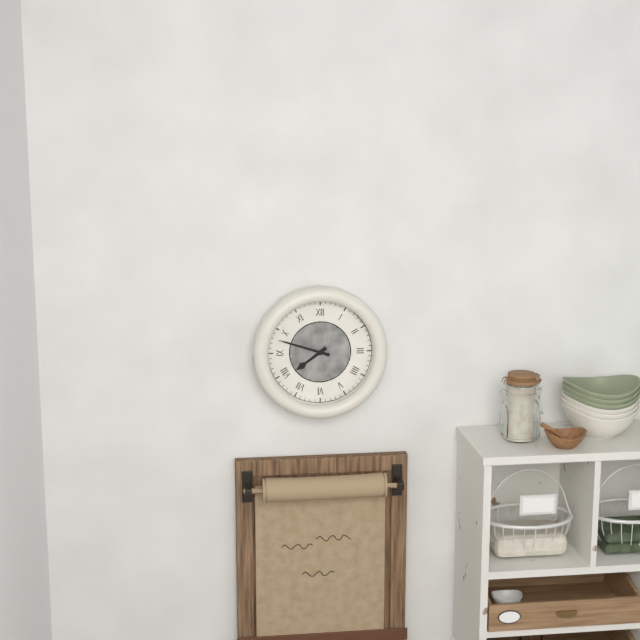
7,48
